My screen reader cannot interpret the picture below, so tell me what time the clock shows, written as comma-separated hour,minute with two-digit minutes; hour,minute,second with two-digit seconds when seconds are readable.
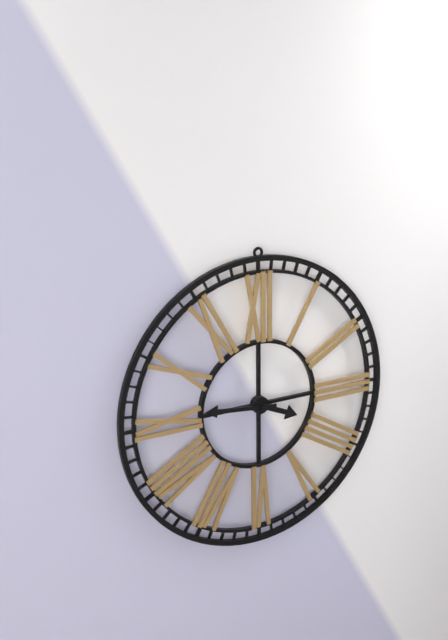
3,46
